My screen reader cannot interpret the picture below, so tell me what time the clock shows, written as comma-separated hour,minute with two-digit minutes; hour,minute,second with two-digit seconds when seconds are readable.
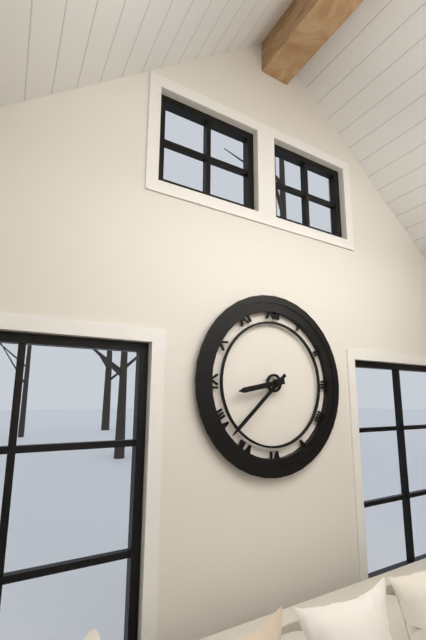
8,38
